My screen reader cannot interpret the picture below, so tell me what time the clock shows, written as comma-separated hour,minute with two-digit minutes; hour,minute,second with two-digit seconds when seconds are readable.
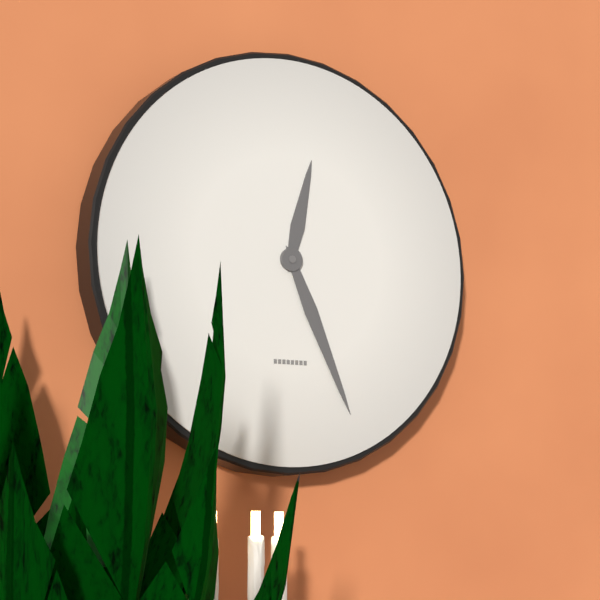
12,26
